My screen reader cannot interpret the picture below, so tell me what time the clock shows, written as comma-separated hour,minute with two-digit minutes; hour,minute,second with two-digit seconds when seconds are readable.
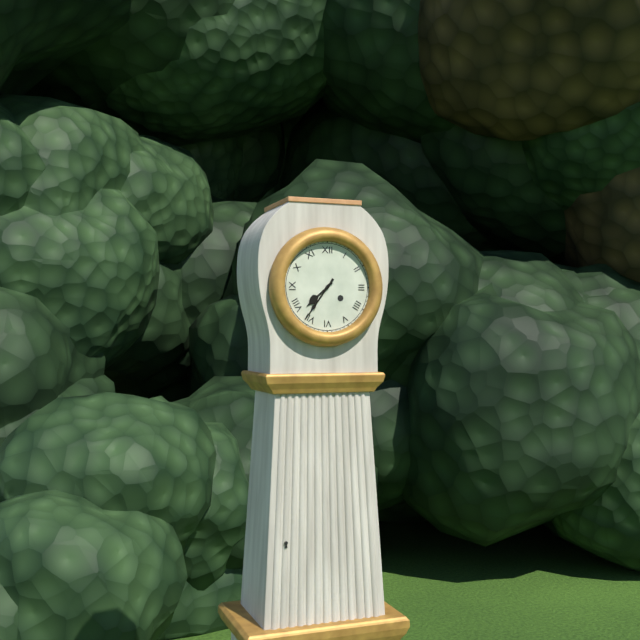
7,36
